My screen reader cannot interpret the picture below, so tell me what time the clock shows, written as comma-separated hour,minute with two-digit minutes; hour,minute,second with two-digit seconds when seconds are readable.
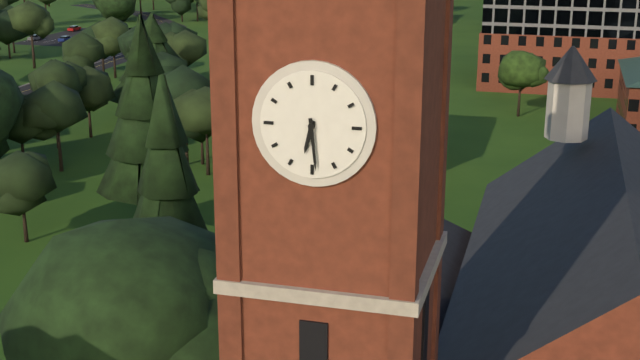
6,29
